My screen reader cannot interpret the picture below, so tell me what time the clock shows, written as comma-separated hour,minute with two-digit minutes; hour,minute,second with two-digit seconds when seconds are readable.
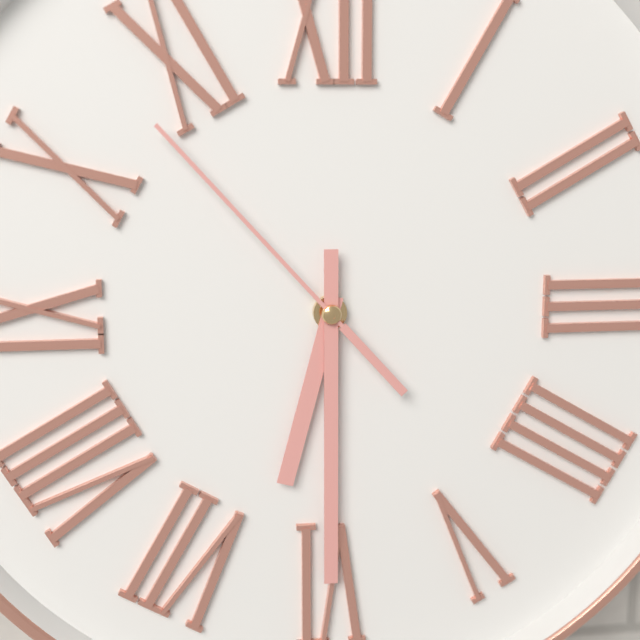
6,30,53
